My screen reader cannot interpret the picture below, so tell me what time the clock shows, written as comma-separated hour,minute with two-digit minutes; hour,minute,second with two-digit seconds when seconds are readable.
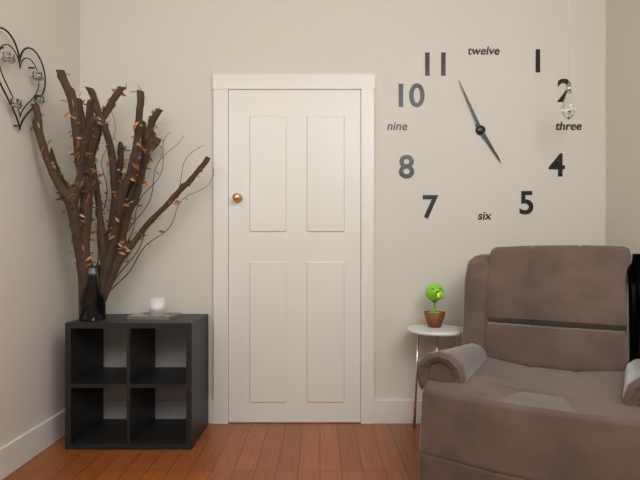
4,56
